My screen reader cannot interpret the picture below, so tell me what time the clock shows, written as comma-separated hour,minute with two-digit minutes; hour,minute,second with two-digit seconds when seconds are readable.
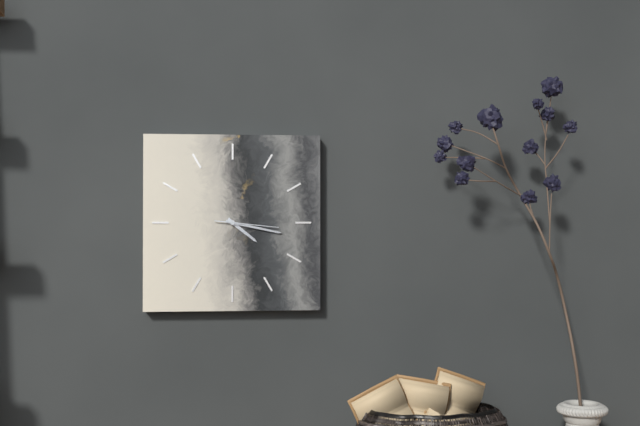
4,17,16
